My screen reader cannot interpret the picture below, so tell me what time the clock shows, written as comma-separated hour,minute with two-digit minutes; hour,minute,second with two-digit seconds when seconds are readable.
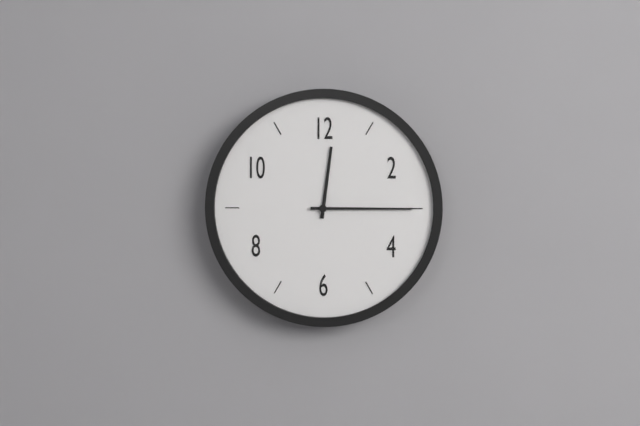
12,15
